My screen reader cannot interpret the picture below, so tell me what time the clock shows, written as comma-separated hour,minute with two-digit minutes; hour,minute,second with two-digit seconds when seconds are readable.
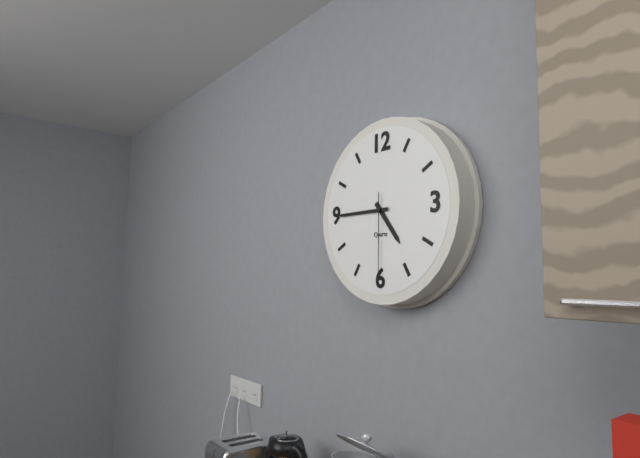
4,45,30
